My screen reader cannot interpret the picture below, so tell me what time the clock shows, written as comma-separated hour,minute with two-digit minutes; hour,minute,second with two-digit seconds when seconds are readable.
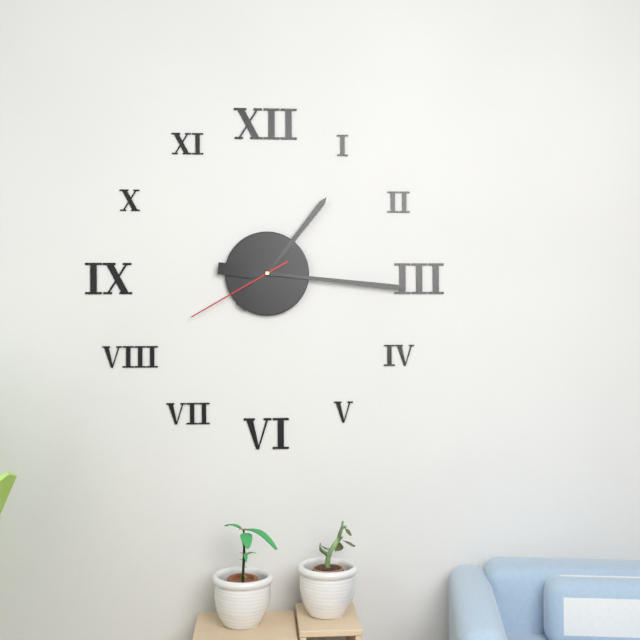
1,16,40
